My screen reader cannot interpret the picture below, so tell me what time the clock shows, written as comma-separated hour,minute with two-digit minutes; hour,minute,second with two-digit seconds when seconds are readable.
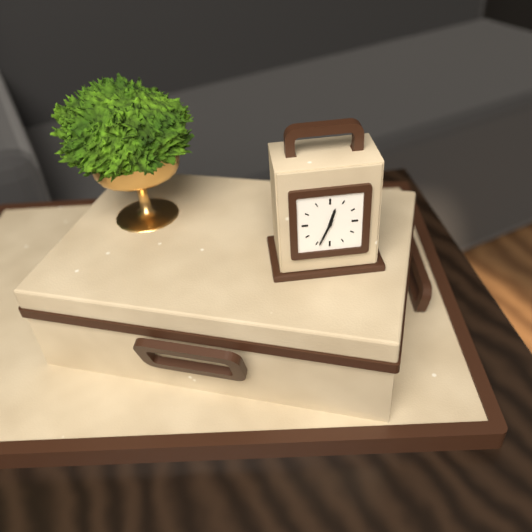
12,34
